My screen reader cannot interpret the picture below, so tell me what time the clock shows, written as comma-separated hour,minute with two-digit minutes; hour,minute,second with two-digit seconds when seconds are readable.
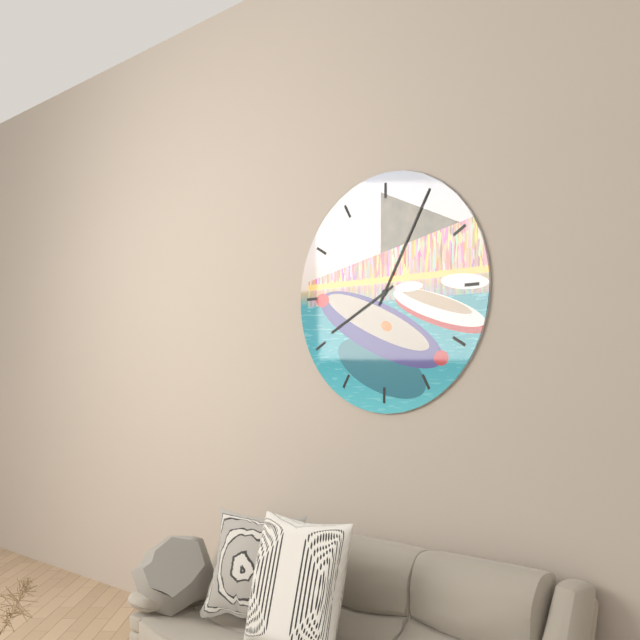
8,05
